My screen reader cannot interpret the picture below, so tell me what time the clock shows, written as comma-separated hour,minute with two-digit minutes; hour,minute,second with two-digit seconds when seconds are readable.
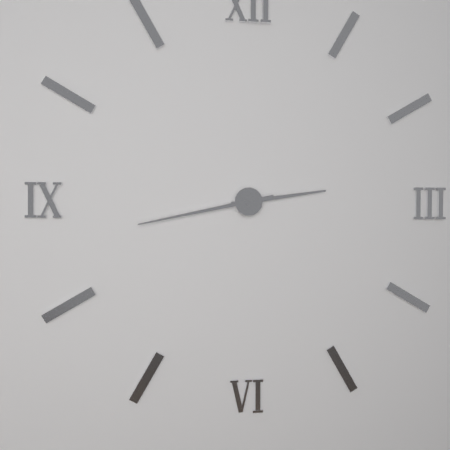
2,43
